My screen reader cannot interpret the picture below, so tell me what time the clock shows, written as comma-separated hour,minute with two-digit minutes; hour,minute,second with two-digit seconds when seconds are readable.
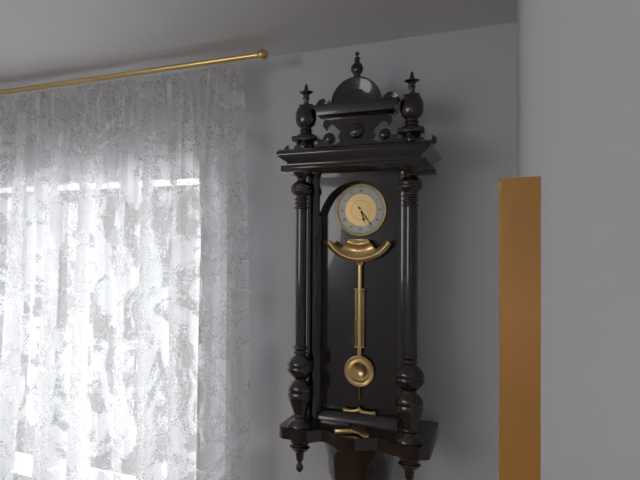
5,24
